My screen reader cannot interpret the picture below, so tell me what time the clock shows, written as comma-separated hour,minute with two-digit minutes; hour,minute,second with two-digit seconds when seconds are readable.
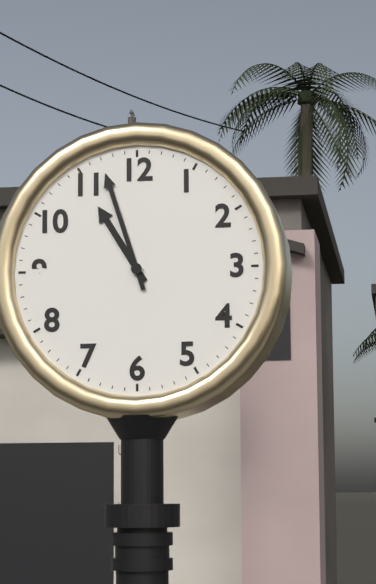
10,57
